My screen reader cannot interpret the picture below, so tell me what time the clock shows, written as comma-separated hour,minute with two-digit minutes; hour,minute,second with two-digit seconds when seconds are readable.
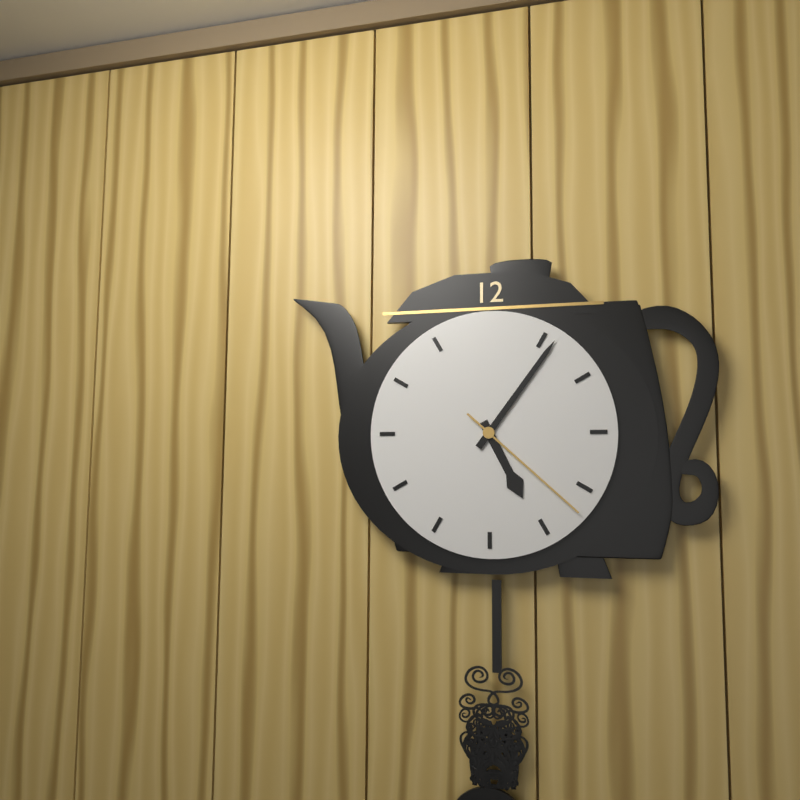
5,06,22
